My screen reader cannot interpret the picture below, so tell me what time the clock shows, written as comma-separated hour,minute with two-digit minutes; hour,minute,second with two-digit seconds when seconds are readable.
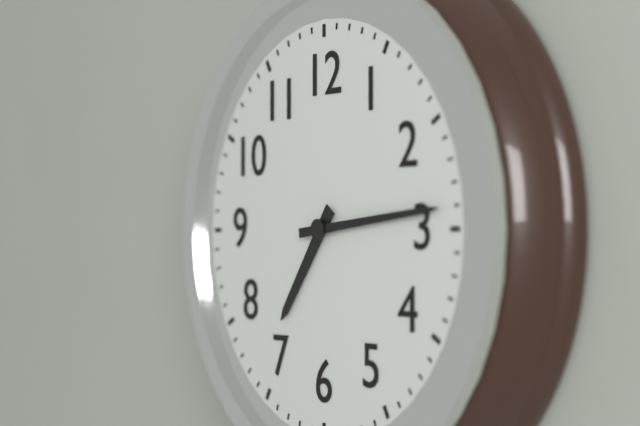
7,14
